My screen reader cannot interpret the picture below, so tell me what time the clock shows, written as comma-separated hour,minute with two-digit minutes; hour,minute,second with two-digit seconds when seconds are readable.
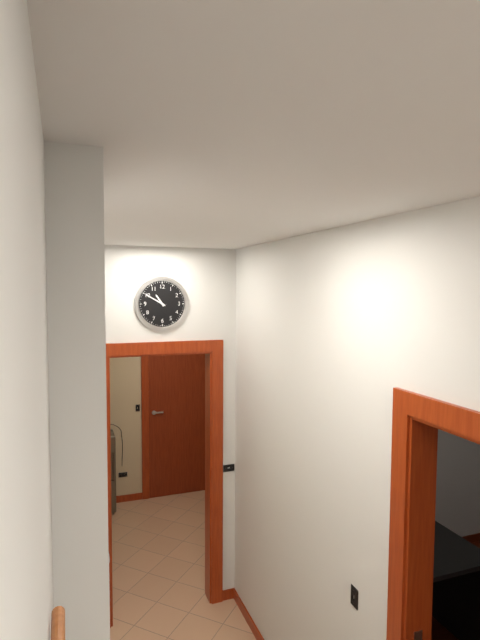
10,50
